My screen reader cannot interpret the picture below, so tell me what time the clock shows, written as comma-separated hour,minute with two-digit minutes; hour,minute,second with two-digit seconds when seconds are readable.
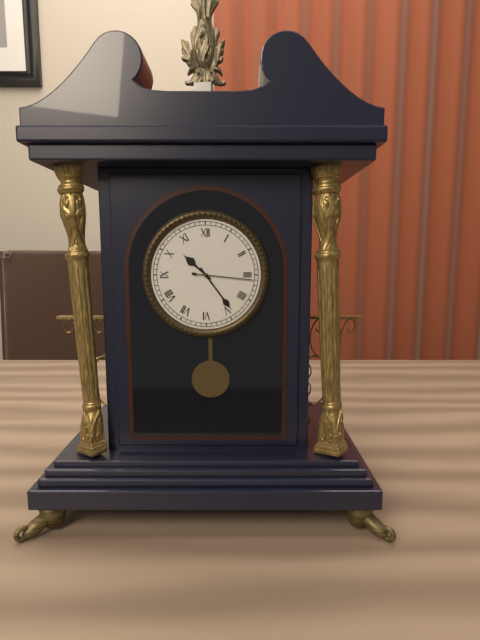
10,24,16
